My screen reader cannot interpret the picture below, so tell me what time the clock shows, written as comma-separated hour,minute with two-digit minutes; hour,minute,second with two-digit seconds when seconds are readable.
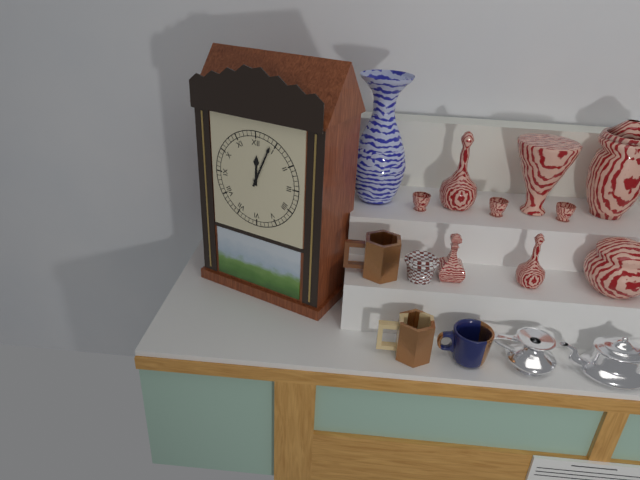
12,04
